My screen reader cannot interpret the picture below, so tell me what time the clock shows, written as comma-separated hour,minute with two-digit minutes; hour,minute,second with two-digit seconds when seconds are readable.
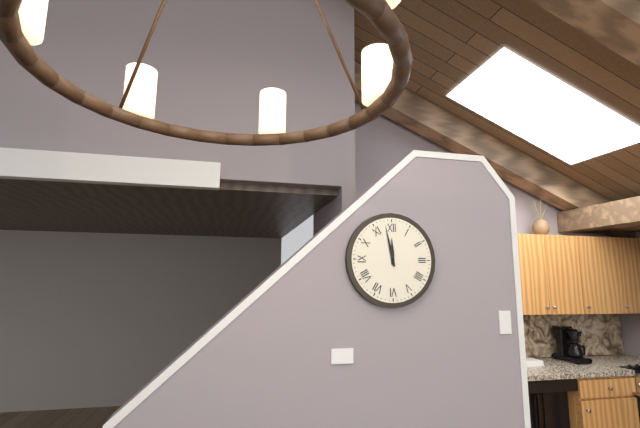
11,58
